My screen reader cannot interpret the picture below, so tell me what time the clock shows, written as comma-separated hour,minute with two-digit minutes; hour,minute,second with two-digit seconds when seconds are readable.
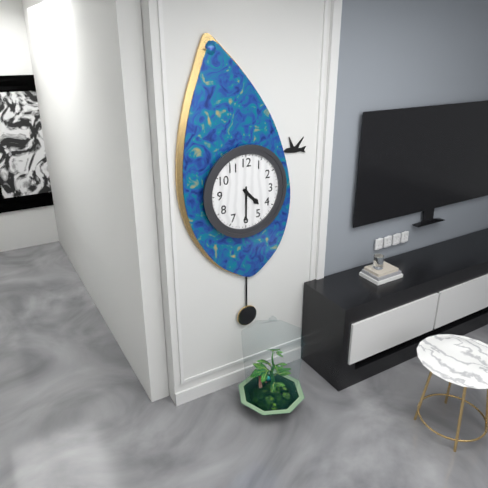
4,30
